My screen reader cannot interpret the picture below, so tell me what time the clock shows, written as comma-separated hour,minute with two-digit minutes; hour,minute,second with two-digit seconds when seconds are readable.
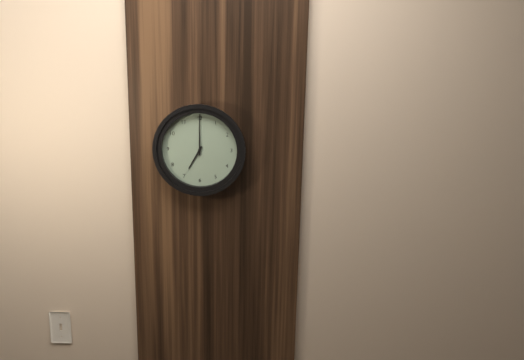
7,00
